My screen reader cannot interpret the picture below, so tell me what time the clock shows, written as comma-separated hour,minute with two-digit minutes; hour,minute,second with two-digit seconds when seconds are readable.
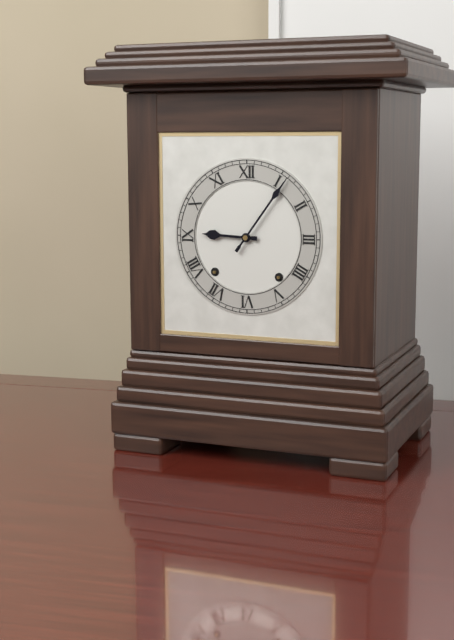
9,06
